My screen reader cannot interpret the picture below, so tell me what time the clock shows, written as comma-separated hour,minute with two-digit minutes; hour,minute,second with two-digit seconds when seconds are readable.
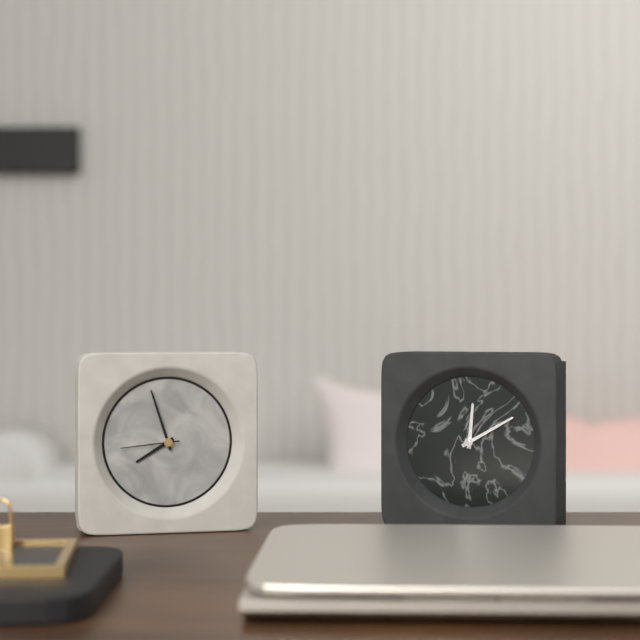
7,57,44
